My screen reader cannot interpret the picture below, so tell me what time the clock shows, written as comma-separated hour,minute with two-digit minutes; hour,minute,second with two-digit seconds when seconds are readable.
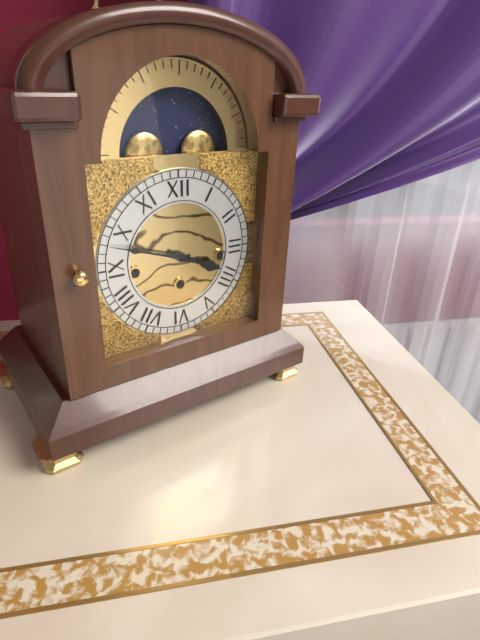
3,48
